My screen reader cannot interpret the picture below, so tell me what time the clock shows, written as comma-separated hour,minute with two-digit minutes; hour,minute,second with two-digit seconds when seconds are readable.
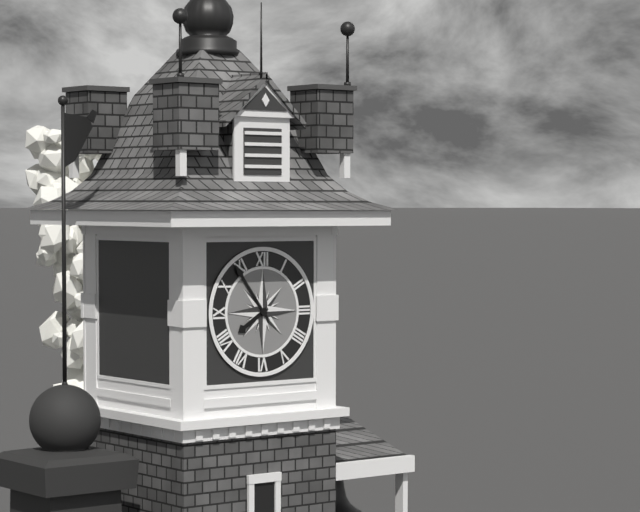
7,54
